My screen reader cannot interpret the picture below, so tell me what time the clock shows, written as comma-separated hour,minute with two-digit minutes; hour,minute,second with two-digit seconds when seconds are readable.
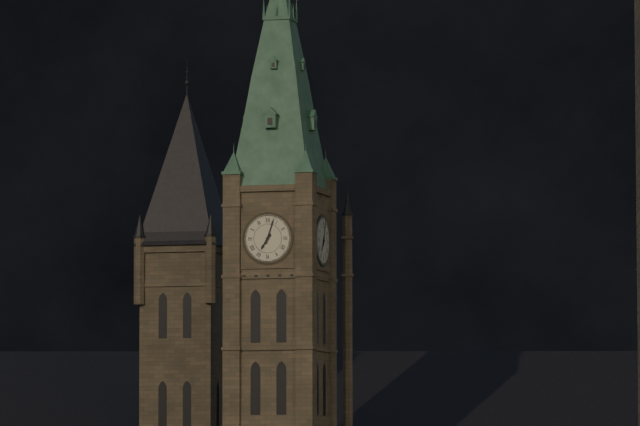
7,03
